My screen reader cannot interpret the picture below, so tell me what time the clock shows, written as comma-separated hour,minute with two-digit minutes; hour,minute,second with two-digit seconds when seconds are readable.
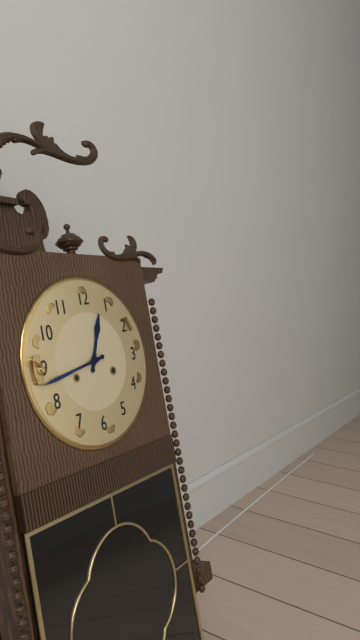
12,43
